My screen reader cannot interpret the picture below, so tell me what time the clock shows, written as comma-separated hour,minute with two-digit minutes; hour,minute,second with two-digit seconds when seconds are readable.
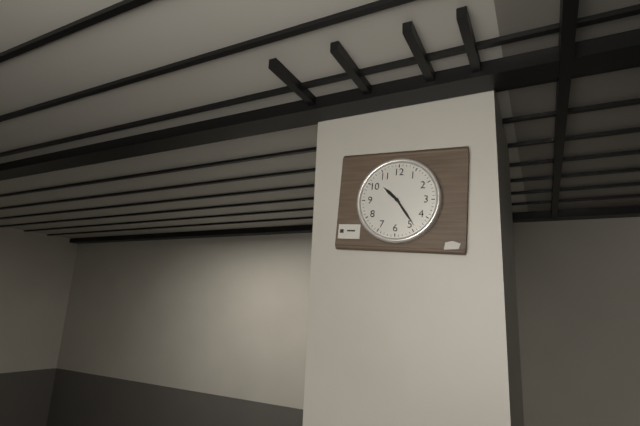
10,24
